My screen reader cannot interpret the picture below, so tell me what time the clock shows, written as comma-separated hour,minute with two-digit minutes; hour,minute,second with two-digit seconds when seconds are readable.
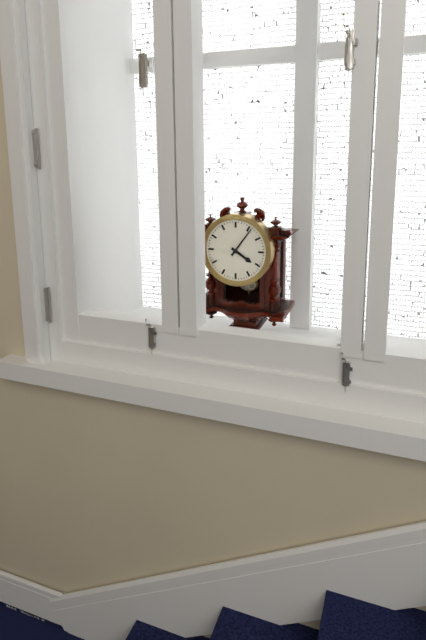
4,06
